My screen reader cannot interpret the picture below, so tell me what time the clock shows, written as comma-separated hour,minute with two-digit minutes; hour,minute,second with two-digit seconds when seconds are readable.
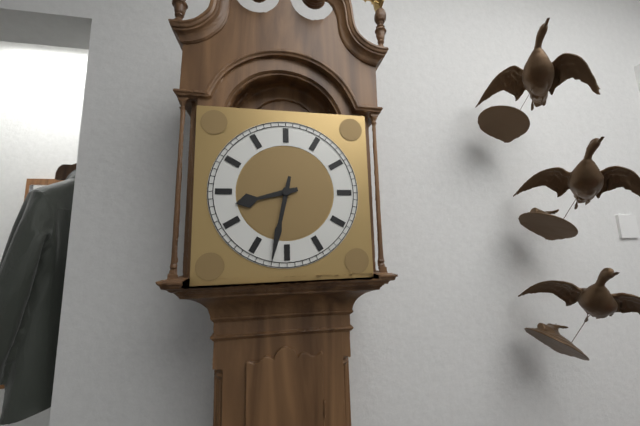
8,32
